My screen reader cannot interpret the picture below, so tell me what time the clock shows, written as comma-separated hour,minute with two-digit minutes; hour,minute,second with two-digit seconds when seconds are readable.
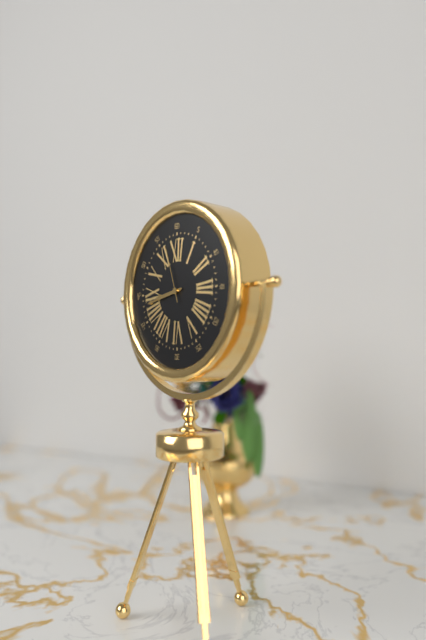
8,43,57
